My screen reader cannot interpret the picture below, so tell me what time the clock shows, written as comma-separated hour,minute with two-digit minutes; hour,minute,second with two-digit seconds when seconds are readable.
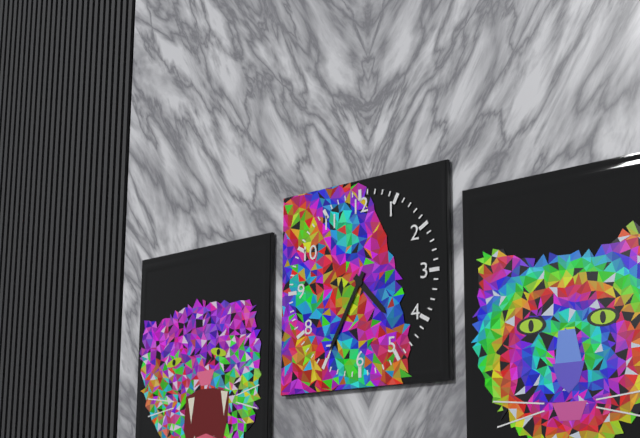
4,35
